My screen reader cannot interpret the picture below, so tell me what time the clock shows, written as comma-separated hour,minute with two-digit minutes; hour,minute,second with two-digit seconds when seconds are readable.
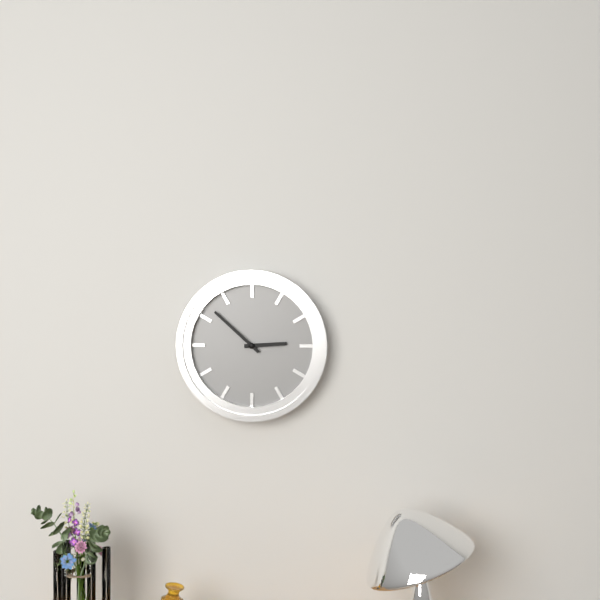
2,52
